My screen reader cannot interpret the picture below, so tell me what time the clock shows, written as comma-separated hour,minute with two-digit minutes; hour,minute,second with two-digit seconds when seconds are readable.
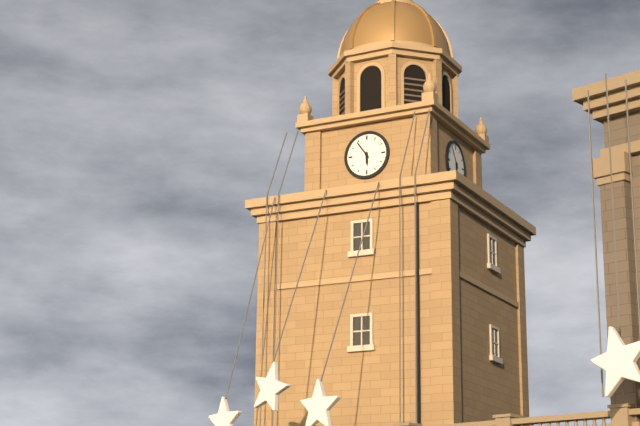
5,54
